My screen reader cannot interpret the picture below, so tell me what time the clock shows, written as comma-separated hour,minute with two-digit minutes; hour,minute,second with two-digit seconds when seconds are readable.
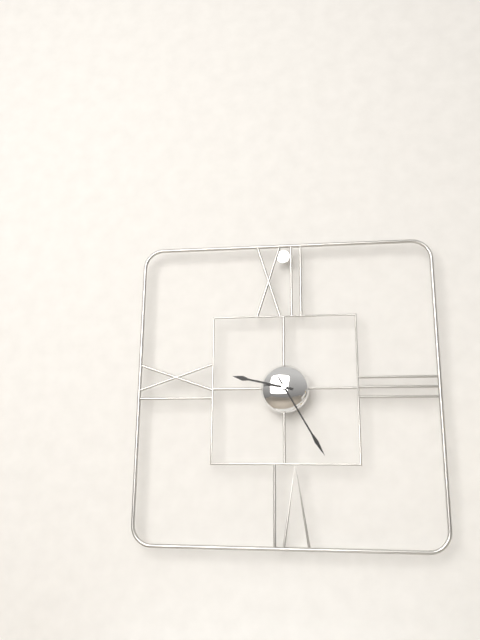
9,25
